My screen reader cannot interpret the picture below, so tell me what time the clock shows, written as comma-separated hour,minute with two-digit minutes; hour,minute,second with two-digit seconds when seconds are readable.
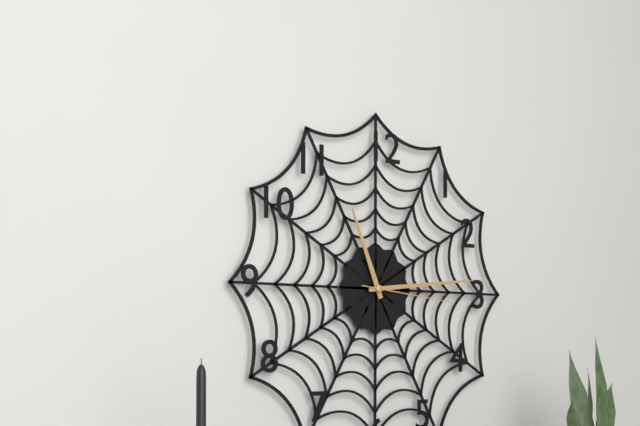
11,14,16
